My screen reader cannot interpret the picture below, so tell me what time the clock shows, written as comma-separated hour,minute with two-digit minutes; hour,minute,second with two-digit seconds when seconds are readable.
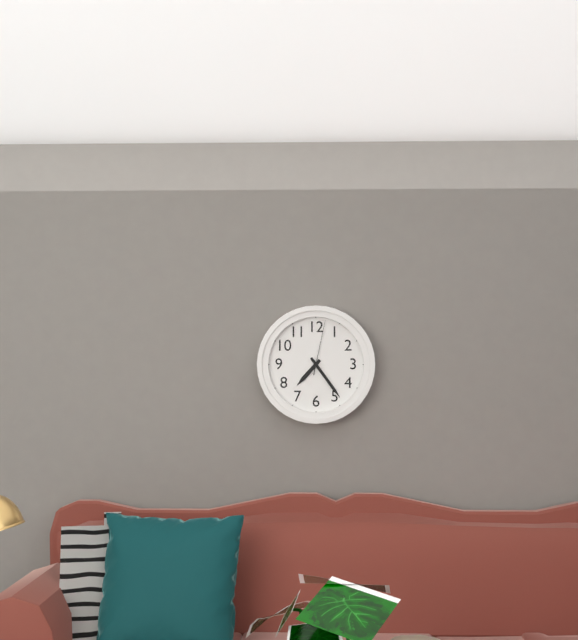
7,24,02
